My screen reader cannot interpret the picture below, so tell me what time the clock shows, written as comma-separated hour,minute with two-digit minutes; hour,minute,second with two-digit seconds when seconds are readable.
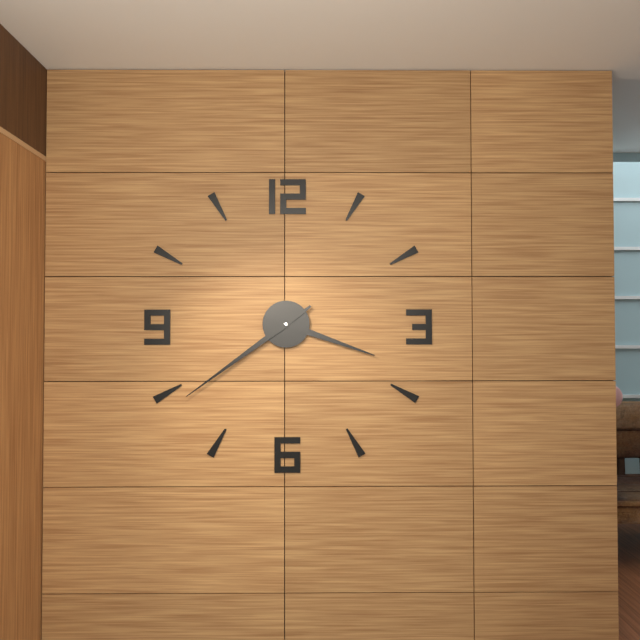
3,39
